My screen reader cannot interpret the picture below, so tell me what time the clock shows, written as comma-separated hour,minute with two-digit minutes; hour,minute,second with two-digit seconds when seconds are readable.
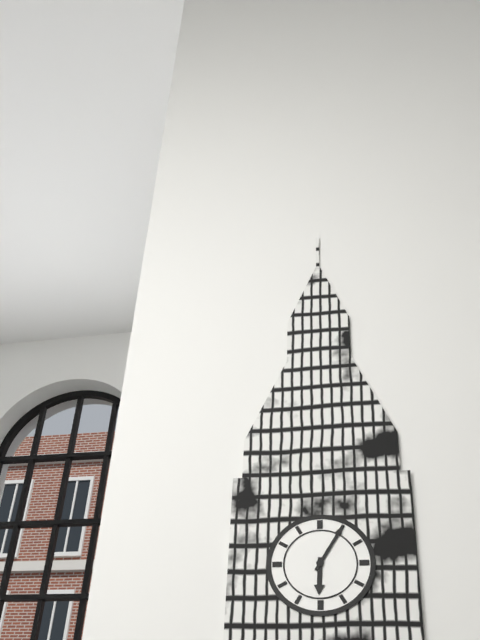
6,05
